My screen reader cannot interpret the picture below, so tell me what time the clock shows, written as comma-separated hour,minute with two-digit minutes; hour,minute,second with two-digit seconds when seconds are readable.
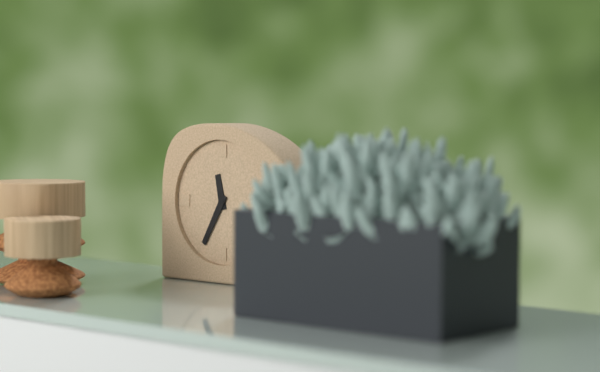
11,35
